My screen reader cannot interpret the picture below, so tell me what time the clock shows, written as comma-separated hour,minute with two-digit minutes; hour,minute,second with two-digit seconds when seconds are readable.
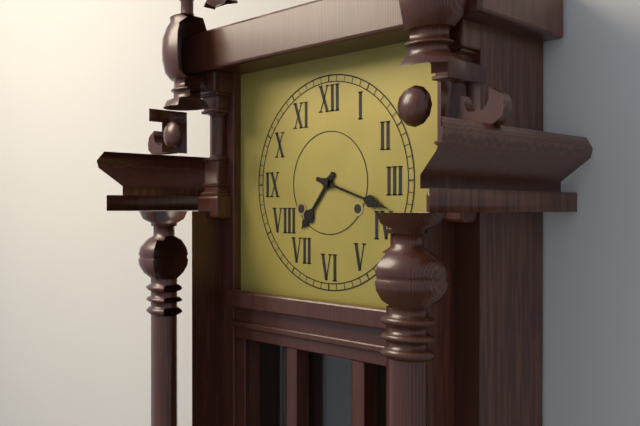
7,18
